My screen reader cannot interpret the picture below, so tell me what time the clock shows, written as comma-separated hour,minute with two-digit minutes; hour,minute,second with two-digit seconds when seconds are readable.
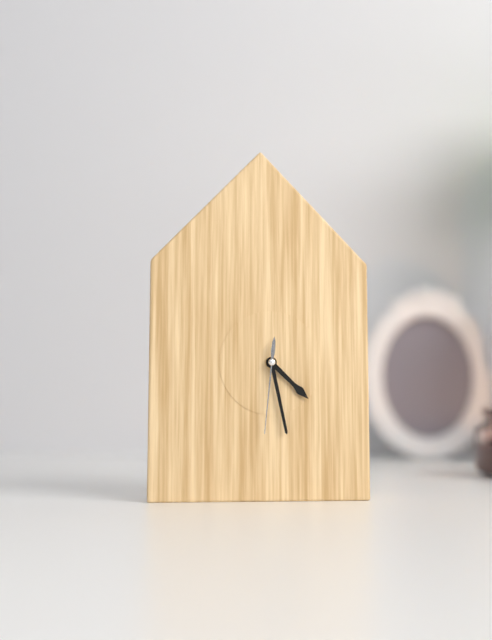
4,28,31
